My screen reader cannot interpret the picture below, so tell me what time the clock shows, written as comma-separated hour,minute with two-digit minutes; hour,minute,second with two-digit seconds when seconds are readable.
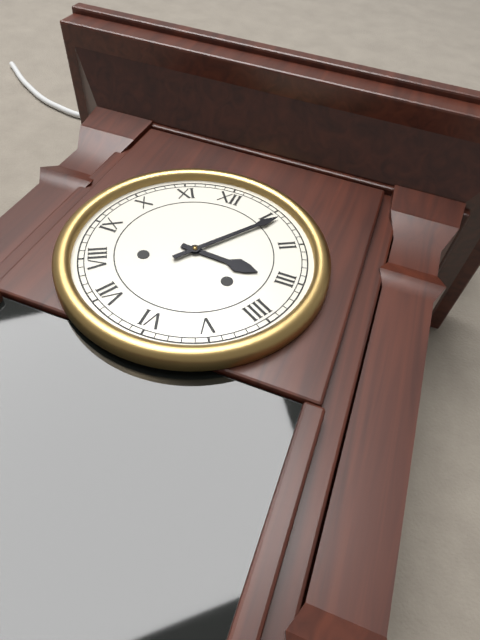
3,06
